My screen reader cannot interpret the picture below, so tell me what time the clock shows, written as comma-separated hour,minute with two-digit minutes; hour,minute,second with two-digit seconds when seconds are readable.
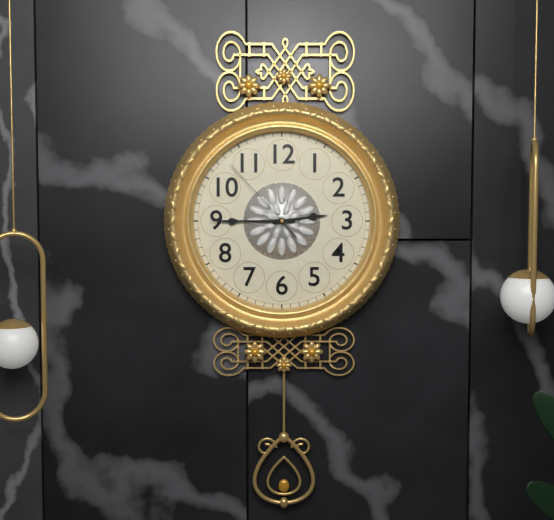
2,45,53
